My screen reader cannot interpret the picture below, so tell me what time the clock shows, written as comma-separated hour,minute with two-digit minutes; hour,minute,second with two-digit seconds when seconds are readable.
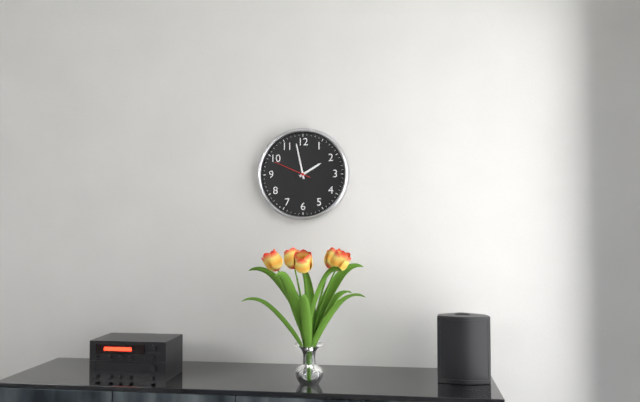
1,58
